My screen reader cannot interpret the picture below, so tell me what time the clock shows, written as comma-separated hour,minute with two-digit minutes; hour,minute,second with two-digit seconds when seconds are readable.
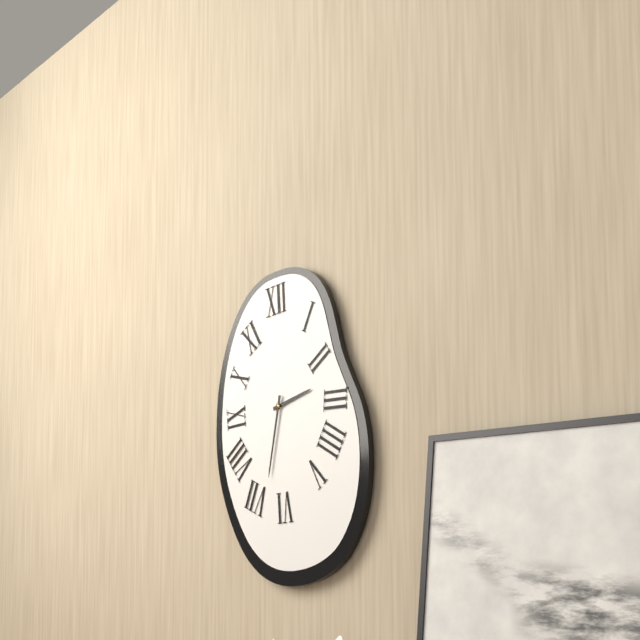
2,32
